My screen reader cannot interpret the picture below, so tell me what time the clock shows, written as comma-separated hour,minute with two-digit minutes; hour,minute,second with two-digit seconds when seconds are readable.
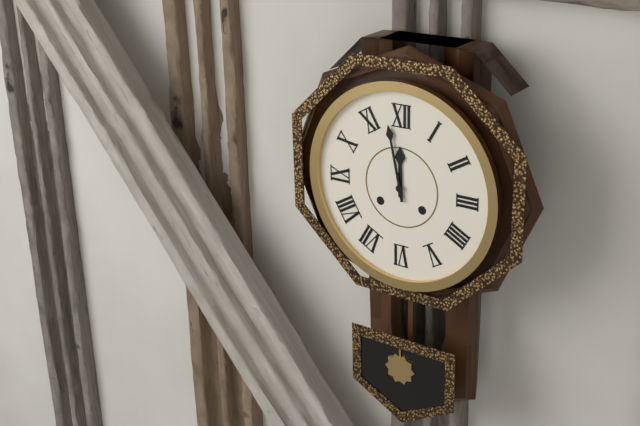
11,58
